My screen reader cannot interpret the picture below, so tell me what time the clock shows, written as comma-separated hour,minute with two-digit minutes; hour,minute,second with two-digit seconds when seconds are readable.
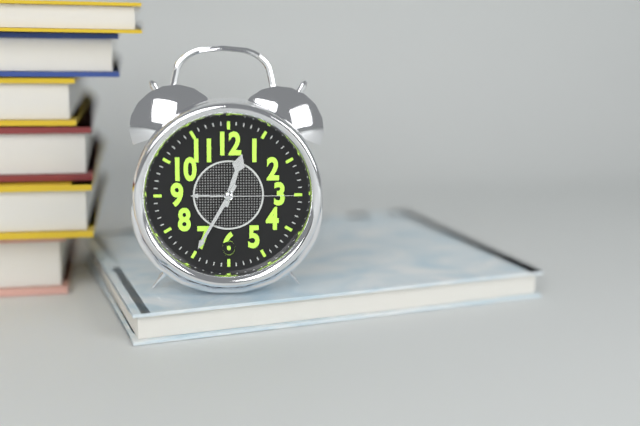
12,35,15
